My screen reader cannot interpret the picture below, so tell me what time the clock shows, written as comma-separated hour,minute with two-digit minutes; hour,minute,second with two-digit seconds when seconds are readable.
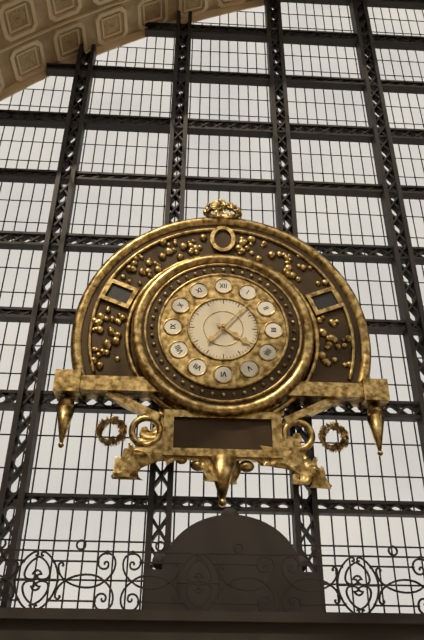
4,07
